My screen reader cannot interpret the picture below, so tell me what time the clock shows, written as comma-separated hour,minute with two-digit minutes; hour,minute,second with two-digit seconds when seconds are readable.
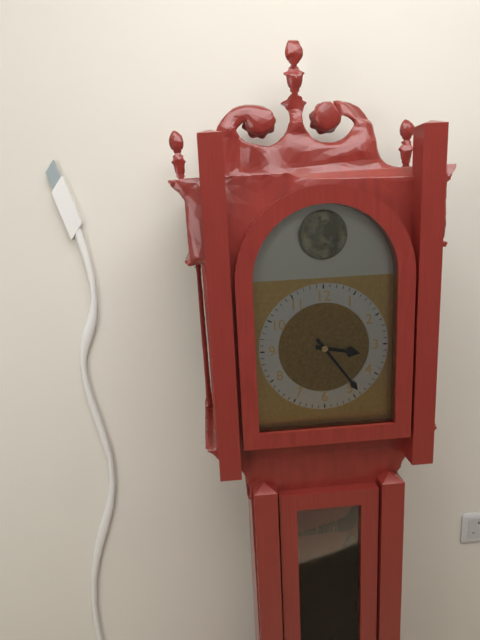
3,24
